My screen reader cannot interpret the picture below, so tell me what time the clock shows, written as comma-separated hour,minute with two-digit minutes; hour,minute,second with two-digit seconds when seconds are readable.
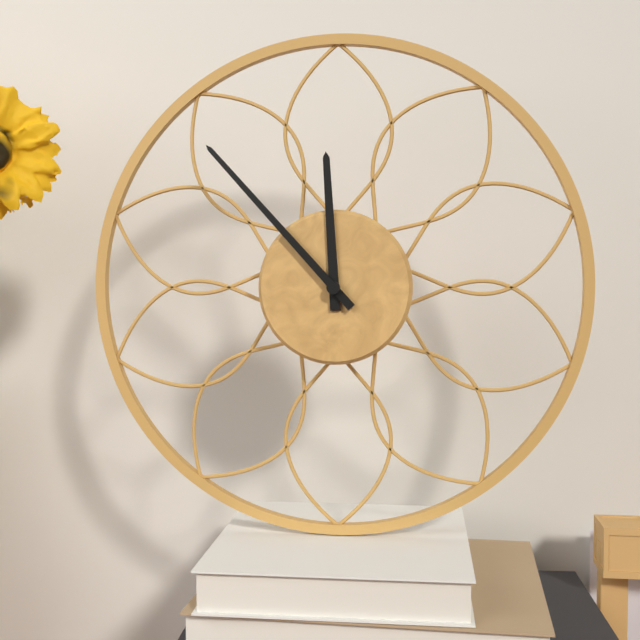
11,53
